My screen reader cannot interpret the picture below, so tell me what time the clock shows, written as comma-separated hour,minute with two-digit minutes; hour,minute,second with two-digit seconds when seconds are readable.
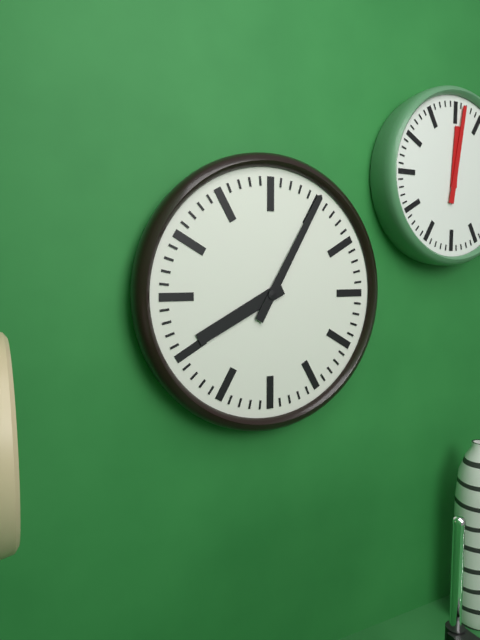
8,05
